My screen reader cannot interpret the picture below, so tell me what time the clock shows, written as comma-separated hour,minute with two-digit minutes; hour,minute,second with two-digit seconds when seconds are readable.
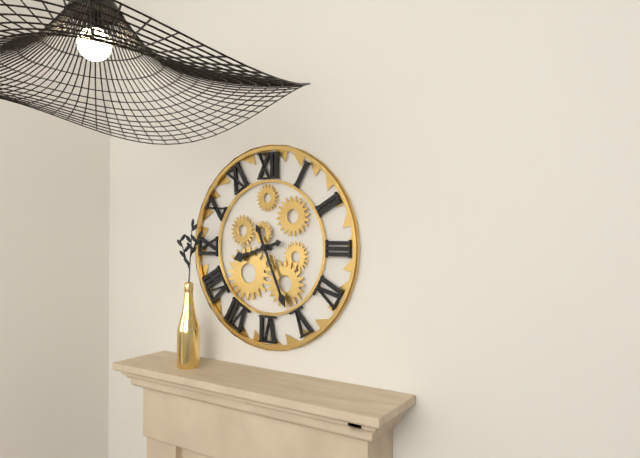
8,26
